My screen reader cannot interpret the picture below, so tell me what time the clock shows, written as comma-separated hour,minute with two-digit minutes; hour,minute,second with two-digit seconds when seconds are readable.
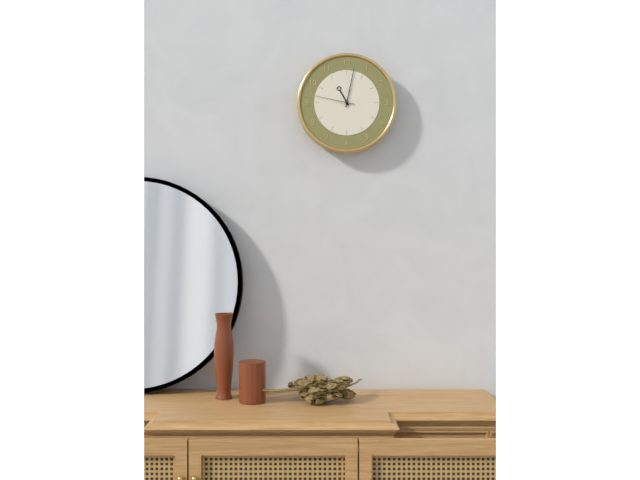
11,02
